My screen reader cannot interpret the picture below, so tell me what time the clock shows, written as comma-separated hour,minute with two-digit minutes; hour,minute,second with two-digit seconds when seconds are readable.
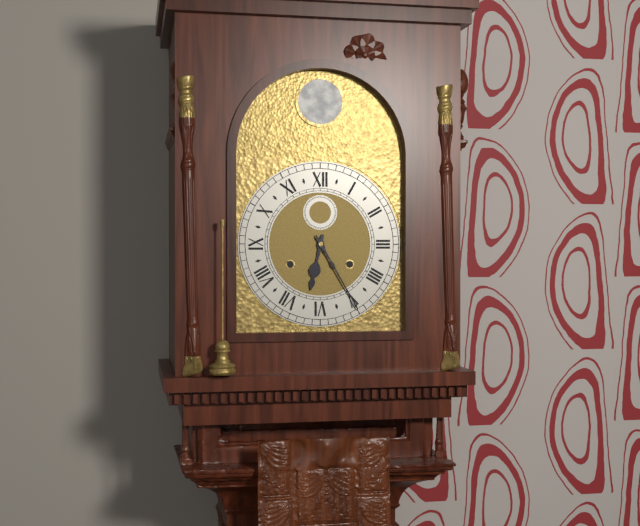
6,25
